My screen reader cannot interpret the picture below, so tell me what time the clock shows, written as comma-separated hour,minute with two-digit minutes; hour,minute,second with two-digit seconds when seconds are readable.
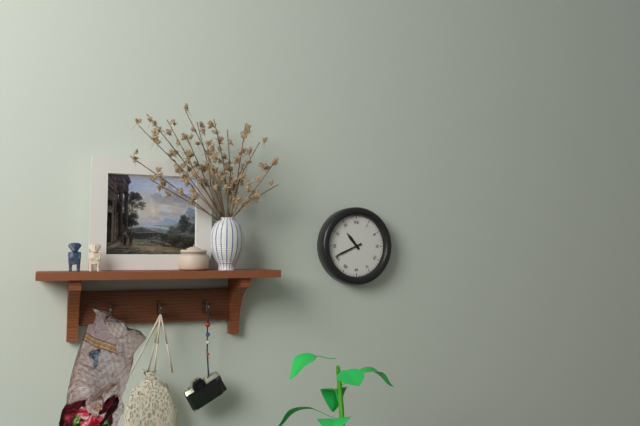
10,41
